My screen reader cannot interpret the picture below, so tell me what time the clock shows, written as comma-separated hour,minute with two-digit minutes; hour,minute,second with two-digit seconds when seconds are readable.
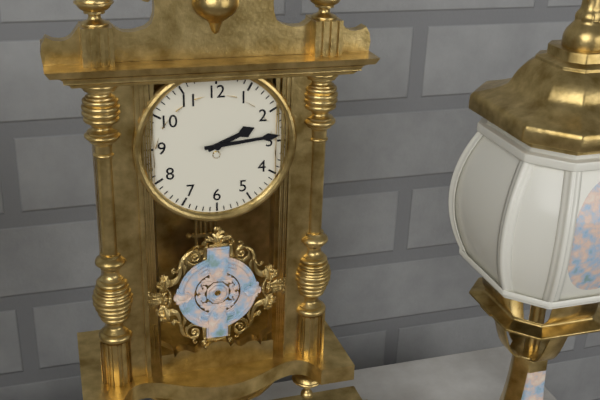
2,14
